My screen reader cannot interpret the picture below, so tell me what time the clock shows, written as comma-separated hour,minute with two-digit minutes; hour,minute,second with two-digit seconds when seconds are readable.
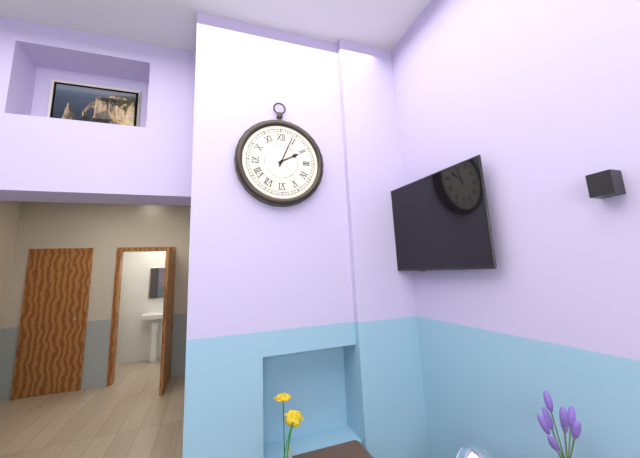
2,04
